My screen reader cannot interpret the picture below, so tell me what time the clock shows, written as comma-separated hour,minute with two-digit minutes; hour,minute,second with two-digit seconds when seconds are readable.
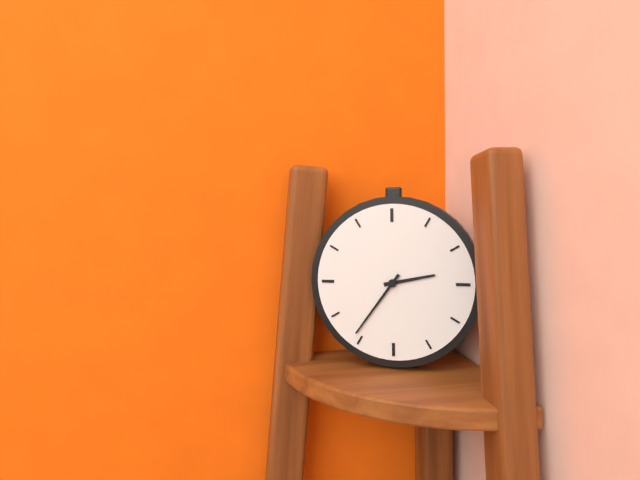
2,36
